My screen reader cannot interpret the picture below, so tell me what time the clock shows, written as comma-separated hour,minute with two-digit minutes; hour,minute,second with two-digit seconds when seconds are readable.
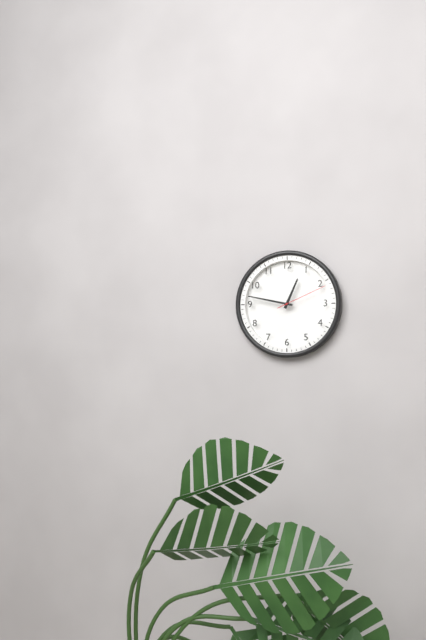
12,47,11
